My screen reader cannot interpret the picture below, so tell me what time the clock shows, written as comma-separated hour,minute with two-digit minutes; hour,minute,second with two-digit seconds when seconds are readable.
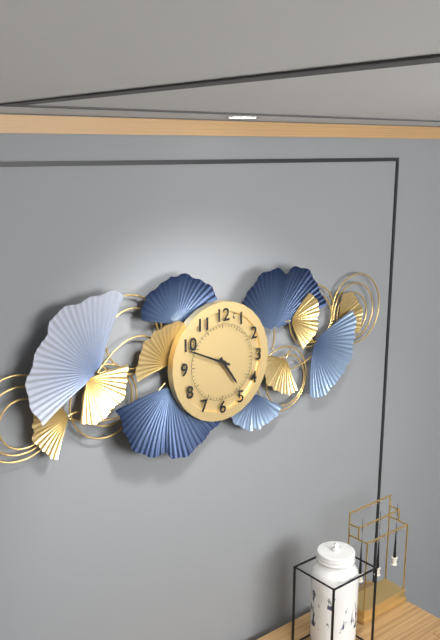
4,49
